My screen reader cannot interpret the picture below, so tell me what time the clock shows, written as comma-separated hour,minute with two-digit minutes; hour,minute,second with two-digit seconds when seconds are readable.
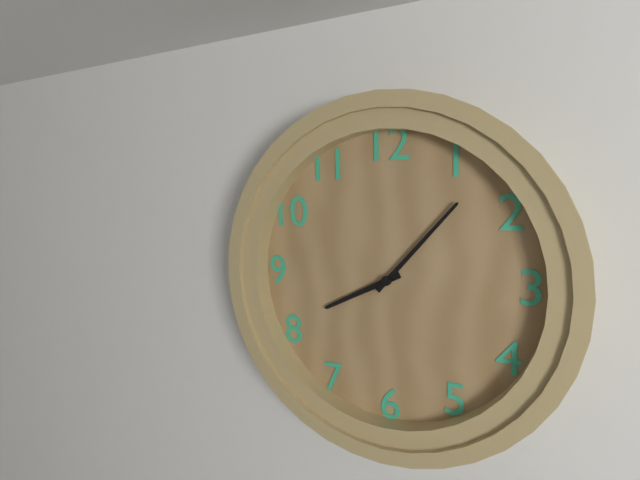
8,07
